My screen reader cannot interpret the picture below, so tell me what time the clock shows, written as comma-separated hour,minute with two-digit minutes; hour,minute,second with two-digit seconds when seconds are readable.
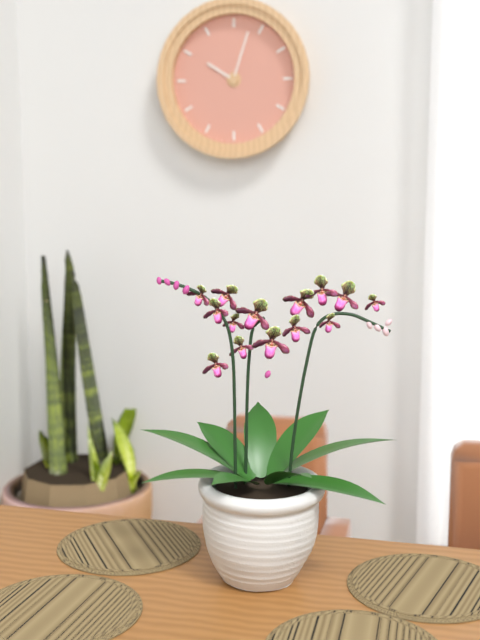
10,03
